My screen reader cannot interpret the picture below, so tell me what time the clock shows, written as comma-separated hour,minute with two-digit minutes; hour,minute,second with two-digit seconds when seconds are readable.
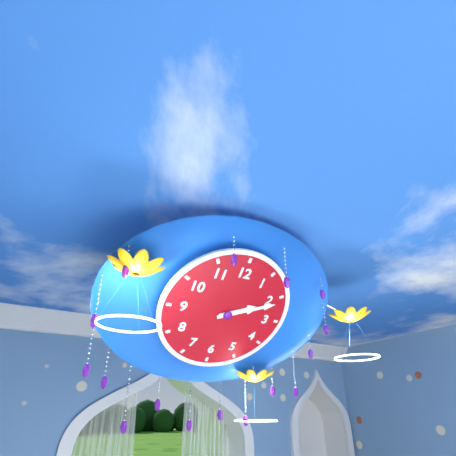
2,11
